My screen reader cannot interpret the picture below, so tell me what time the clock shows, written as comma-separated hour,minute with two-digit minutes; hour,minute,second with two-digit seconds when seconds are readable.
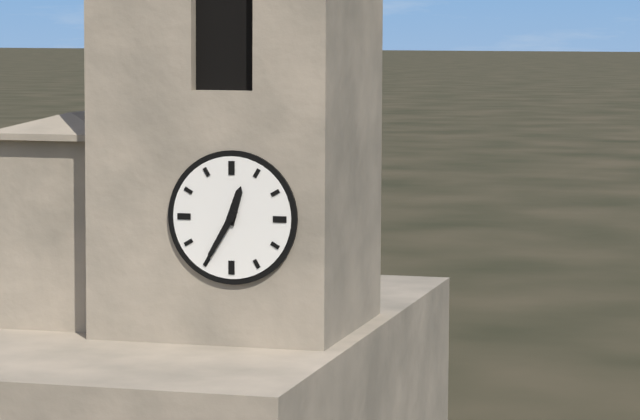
12,35
